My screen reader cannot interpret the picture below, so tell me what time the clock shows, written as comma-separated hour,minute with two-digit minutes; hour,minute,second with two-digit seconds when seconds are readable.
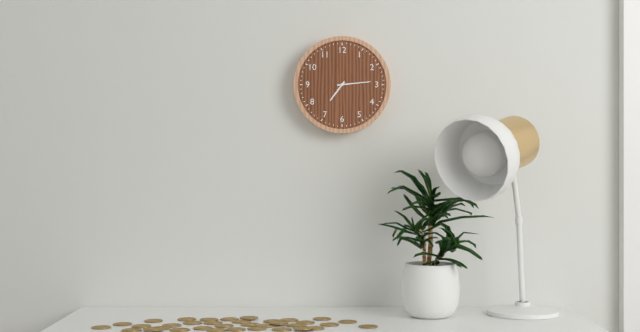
7,14
